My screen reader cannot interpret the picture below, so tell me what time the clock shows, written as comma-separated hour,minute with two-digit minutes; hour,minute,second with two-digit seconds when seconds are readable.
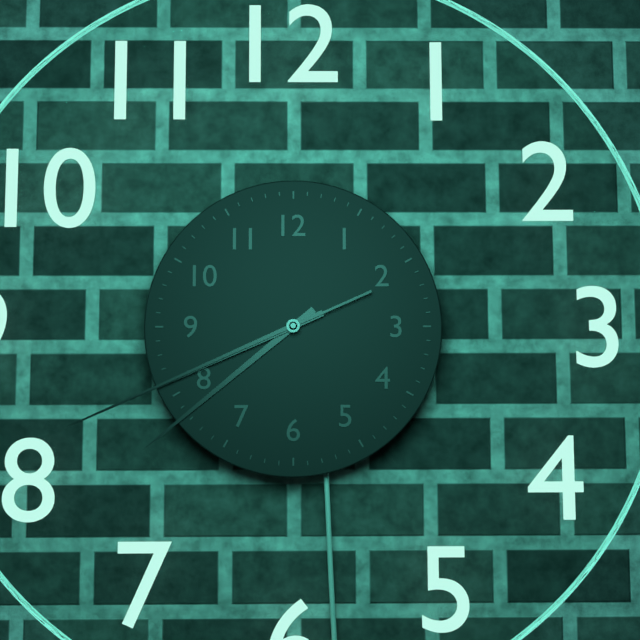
7,41,41
